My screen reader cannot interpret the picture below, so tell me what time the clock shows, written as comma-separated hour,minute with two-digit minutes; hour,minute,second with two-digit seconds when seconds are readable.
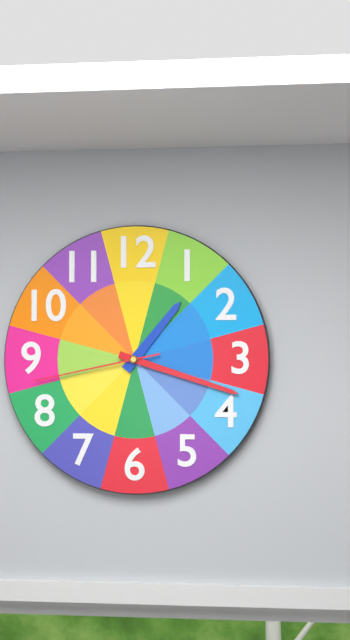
1,18,43
